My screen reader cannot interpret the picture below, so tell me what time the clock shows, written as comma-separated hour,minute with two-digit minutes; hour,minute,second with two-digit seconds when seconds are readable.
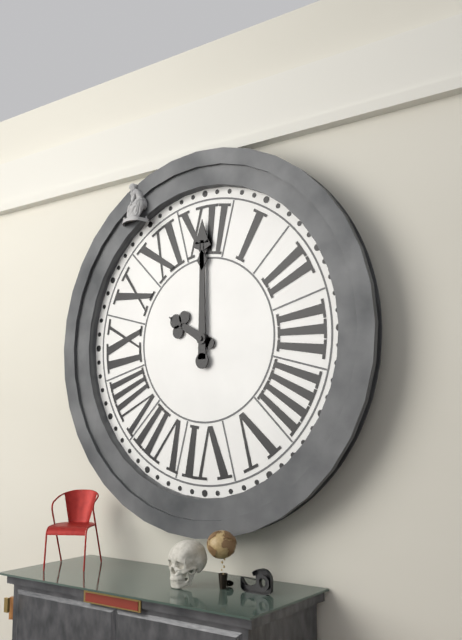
10,00
